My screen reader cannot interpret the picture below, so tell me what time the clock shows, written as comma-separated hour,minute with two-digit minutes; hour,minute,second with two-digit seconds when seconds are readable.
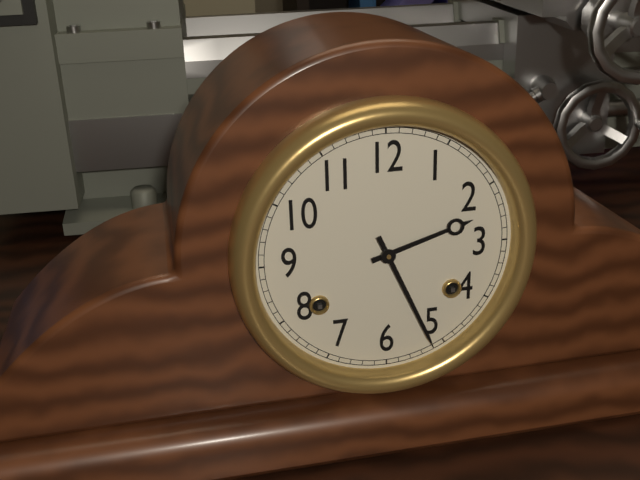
2,26
